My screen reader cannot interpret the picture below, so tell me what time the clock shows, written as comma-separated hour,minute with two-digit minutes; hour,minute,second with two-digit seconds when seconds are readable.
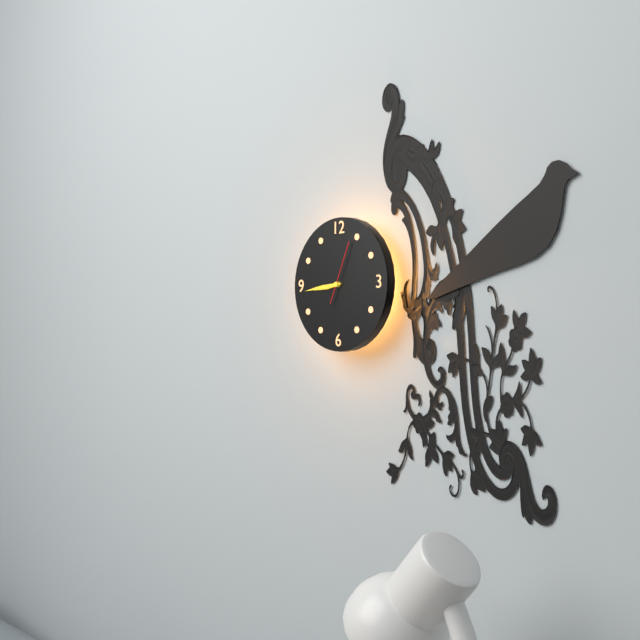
8,44,04
